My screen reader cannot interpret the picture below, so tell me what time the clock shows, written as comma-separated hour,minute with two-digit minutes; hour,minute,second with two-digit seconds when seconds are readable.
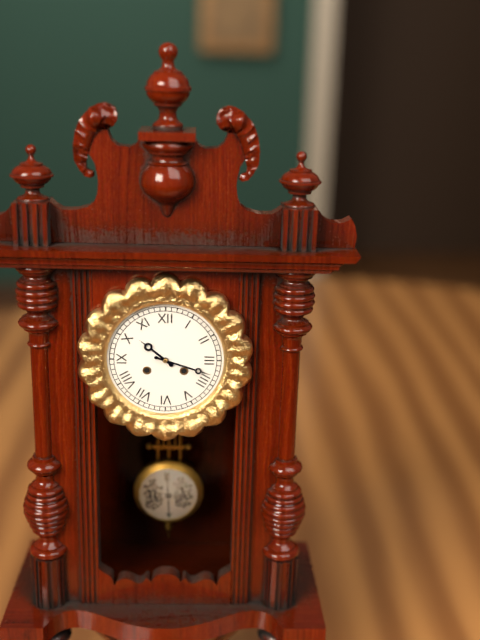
10,18
